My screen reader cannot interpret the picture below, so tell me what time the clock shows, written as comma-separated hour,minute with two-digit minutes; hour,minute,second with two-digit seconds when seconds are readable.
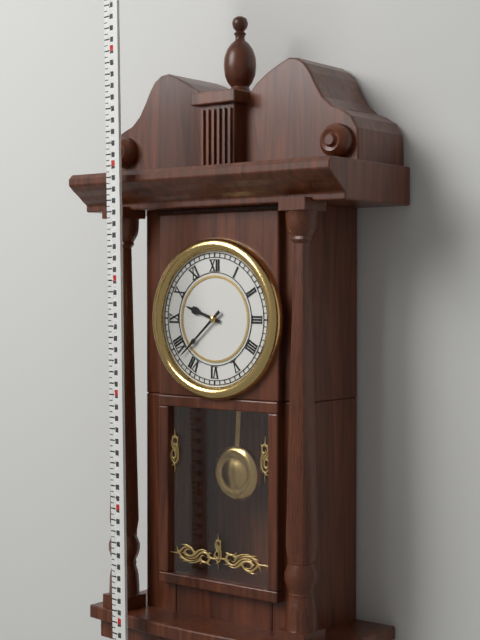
9,38
